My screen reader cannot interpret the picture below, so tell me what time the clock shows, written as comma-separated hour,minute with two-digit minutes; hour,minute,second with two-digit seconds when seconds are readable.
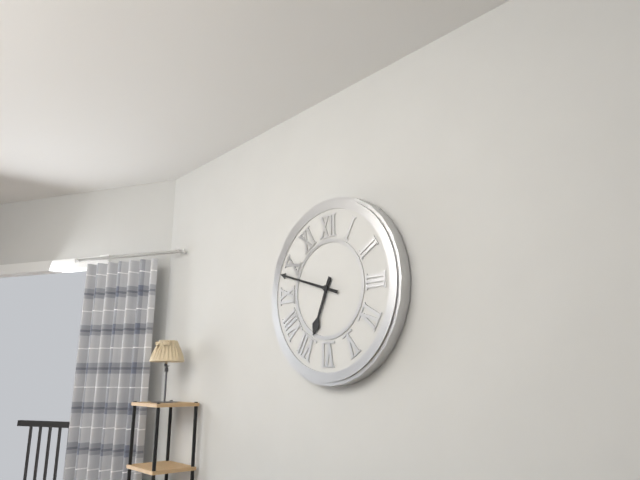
6,48
